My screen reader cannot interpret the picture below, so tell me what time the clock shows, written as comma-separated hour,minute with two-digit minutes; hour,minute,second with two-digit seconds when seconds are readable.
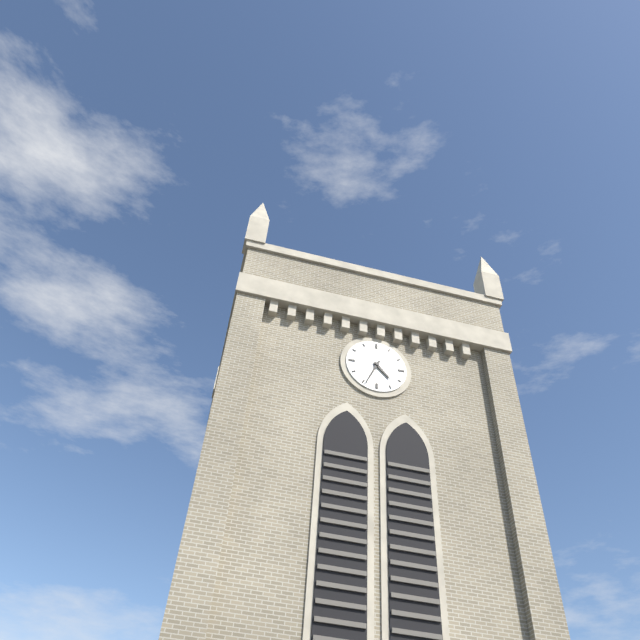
4,34
